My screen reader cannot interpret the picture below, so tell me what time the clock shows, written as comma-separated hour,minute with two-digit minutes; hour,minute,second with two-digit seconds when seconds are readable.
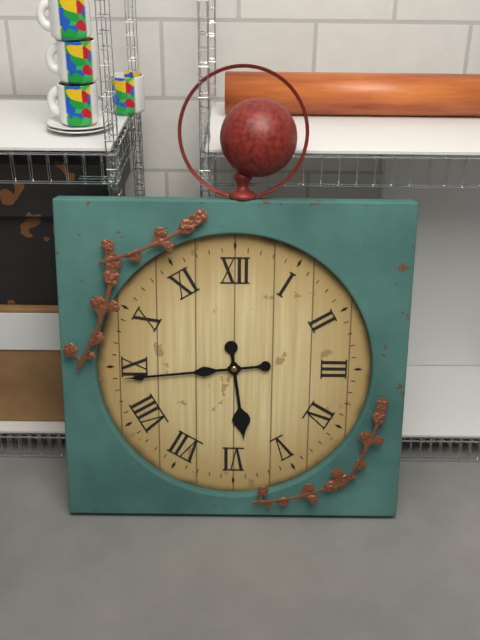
5,44
